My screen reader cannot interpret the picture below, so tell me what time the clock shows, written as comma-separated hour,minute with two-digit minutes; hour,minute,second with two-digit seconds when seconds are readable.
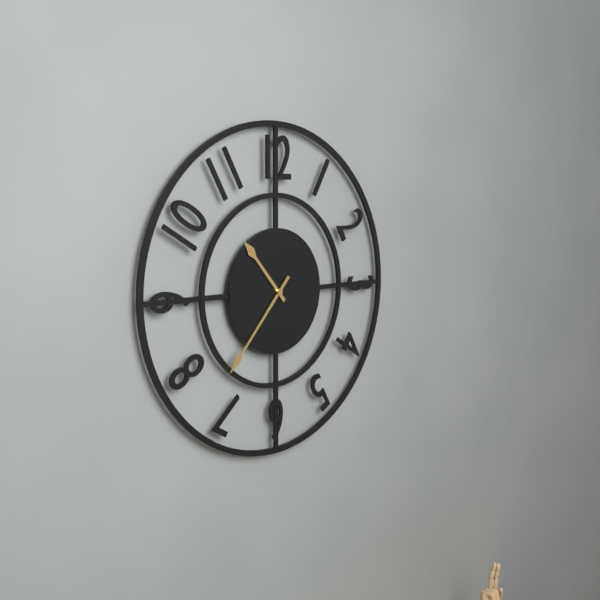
10,37
